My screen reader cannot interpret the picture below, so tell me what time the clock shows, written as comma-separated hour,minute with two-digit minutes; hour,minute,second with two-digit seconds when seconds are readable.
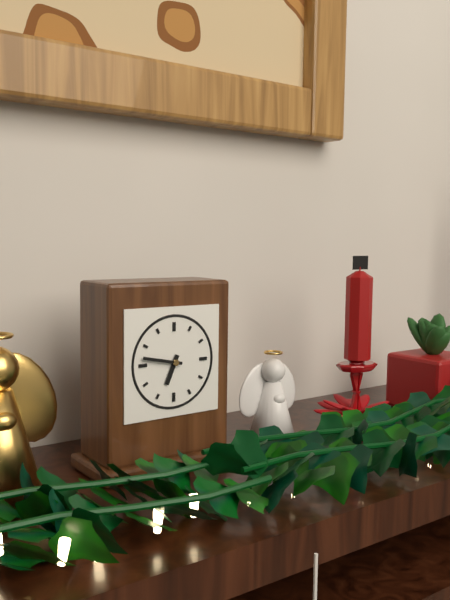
6,47
